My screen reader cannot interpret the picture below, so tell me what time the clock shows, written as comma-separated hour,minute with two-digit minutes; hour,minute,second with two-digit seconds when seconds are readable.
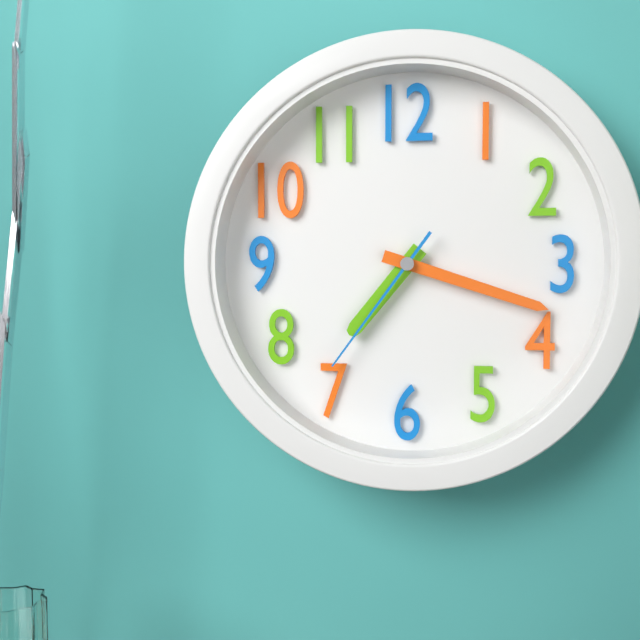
7,18,36
